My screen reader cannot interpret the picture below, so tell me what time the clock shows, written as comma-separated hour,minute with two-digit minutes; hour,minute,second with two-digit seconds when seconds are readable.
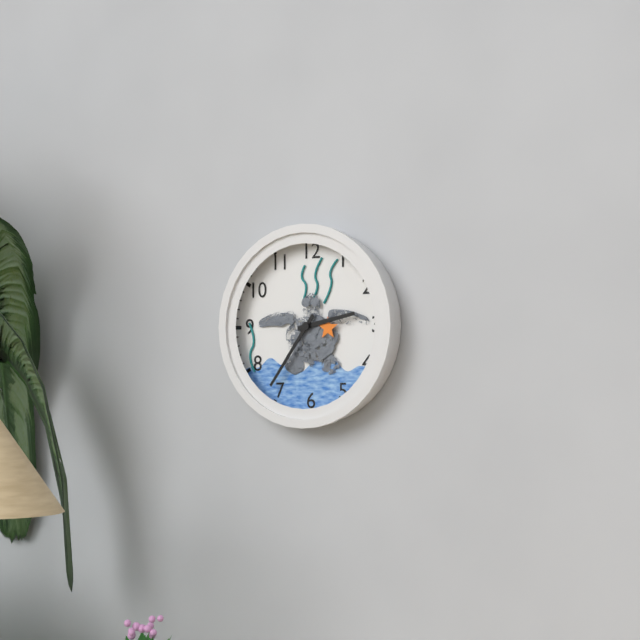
2,36
